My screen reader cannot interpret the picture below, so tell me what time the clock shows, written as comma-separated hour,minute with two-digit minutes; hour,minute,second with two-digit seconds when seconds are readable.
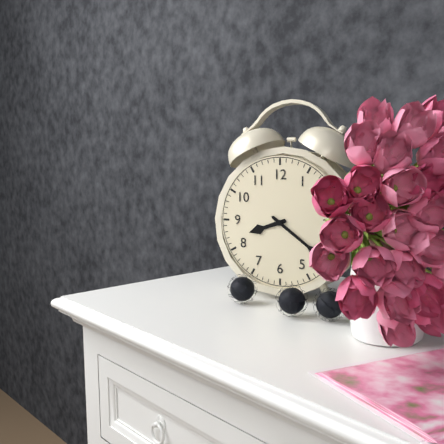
8,21
